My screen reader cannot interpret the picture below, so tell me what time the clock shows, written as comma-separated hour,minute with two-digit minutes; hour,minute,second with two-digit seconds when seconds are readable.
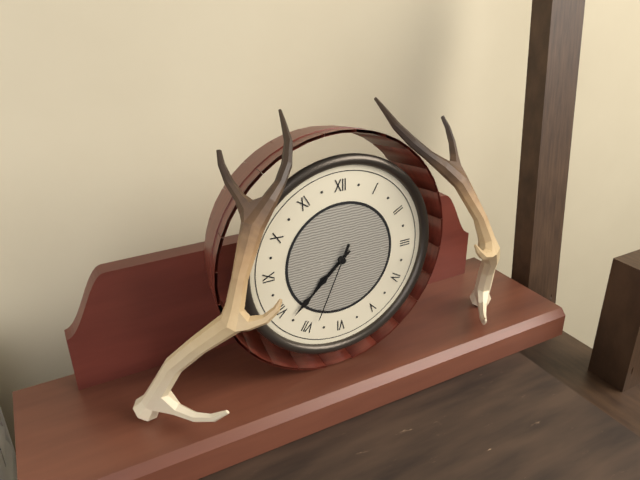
7,38,34
